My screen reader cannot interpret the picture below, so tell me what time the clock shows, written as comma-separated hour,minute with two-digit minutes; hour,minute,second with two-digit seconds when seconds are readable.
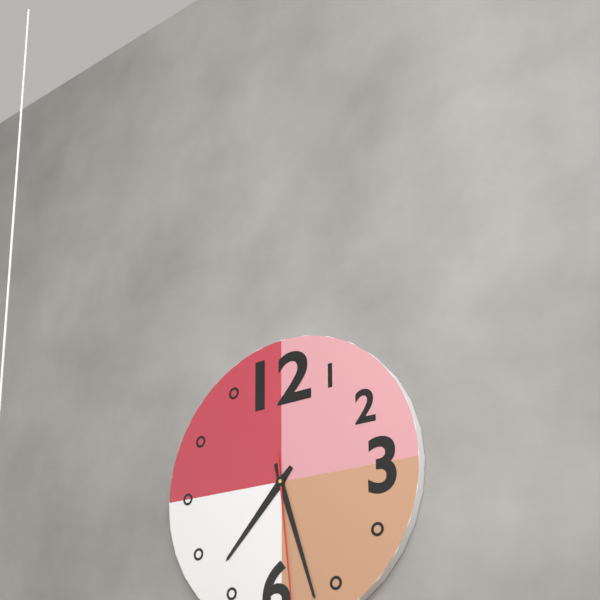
7,27
